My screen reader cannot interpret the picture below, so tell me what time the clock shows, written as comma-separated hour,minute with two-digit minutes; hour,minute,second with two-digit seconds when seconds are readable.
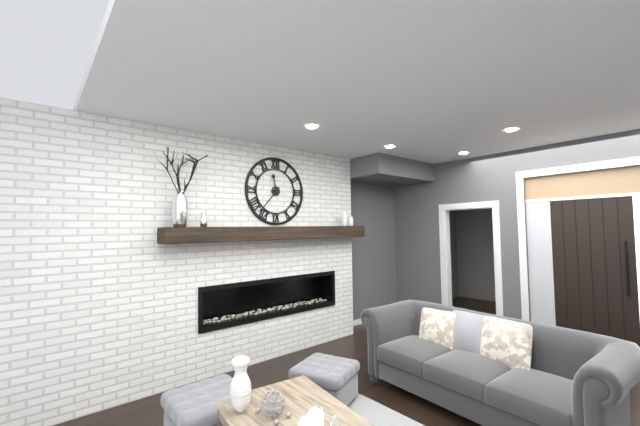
11,37
